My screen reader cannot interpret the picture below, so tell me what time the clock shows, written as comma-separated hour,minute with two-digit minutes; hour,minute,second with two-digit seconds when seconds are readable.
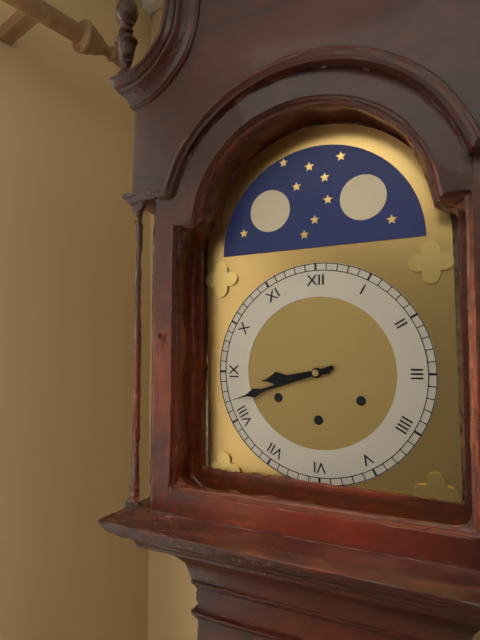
8,42
